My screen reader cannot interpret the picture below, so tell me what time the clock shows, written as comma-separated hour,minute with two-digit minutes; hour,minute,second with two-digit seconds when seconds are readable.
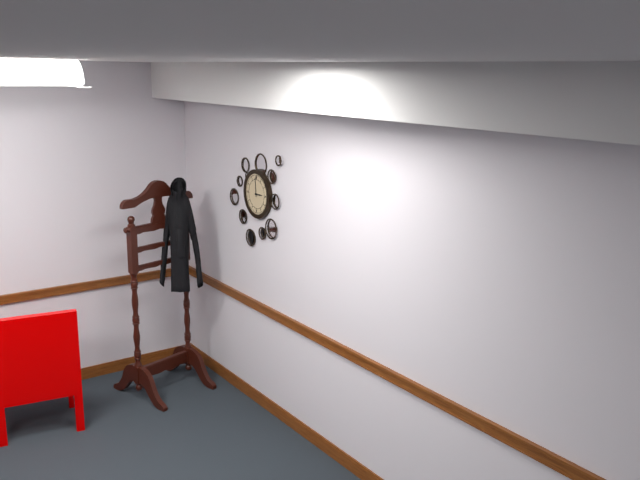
2,59
